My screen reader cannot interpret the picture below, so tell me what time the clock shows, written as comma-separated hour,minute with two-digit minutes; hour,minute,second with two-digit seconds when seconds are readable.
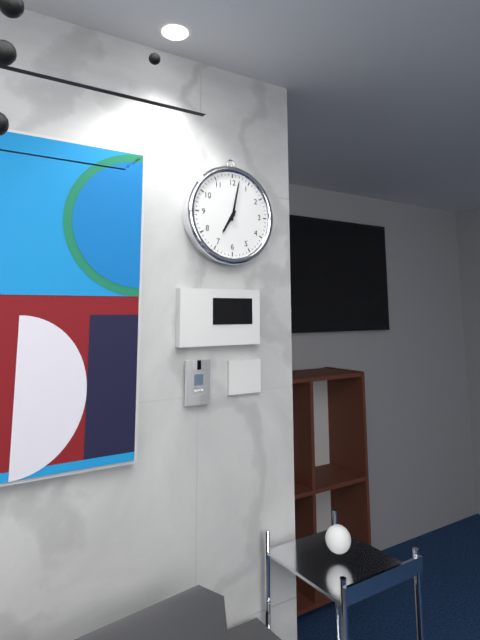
7,02
